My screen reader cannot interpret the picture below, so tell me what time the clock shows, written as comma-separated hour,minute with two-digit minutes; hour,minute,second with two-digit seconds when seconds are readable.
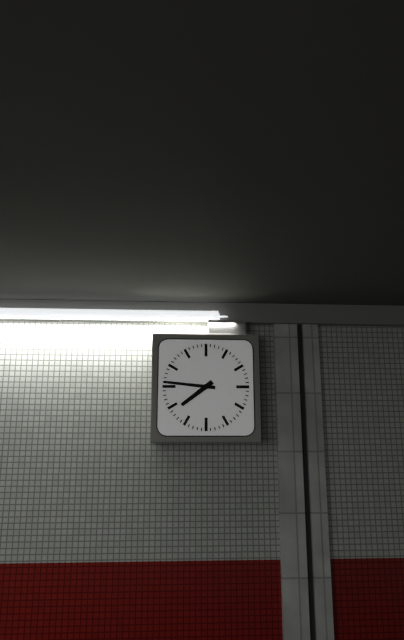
7,46
